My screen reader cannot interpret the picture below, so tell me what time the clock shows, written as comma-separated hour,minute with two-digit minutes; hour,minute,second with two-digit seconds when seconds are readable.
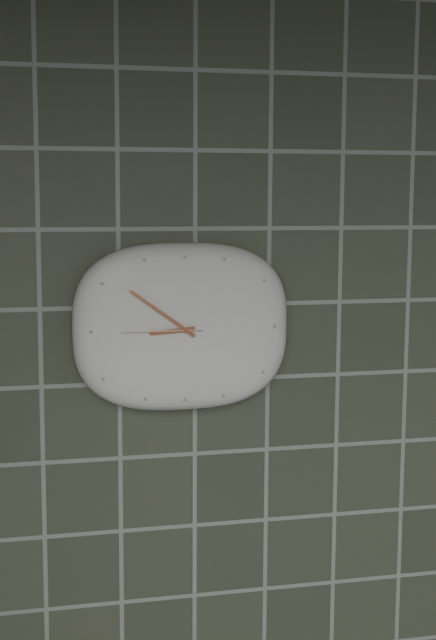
8,51,45
